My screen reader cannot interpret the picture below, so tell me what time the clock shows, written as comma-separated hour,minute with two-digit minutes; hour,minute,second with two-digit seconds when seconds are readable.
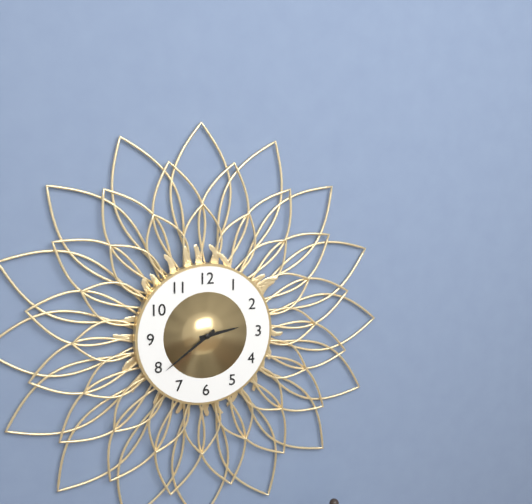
2,39
